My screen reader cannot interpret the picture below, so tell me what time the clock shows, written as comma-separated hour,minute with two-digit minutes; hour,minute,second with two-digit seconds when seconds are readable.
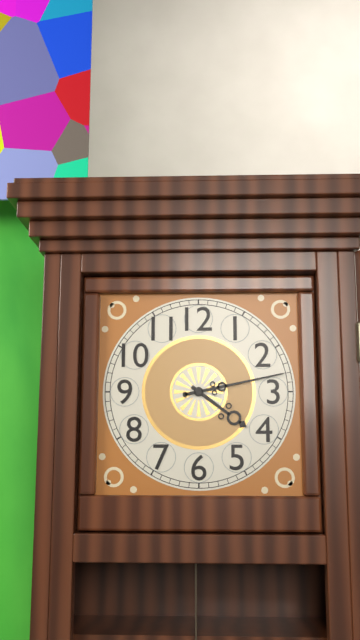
4,13
